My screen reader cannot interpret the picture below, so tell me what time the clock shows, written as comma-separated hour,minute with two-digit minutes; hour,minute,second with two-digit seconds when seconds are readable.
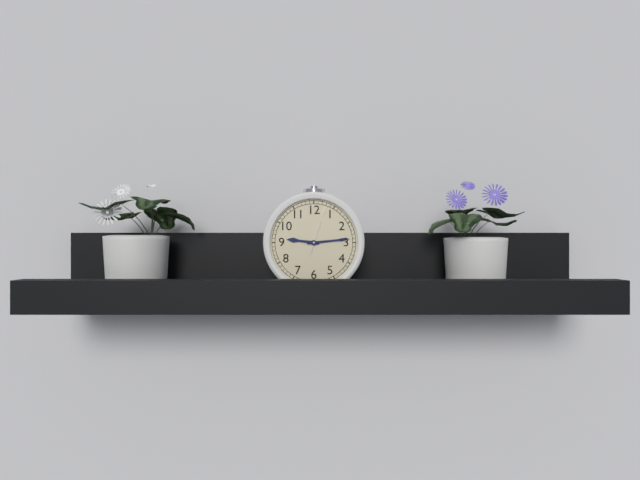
9,14
